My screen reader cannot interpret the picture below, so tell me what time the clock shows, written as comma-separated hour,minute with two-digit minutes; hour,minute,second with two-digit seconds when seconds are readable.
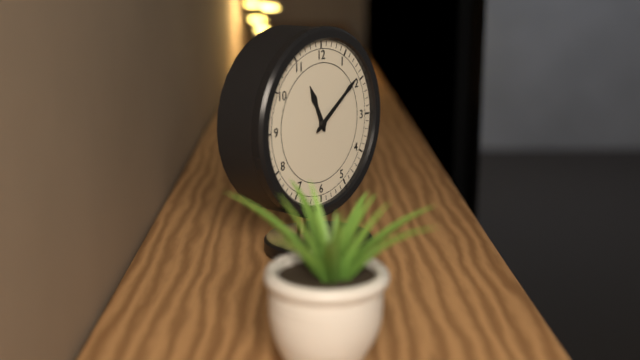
11,09
